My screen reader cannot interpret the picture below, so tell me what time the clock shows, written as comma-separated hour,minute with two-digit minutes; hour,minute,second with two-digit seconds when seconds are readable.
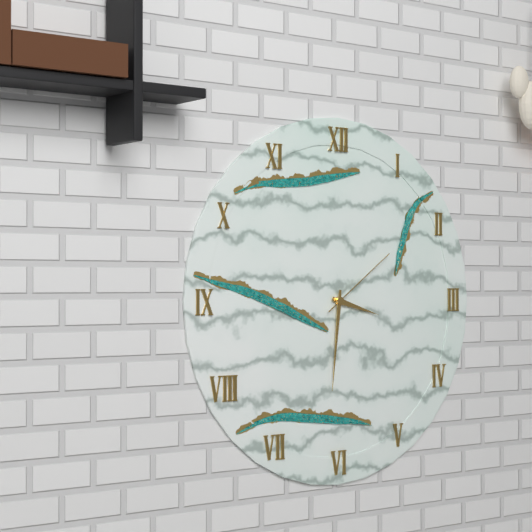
3,31,09
